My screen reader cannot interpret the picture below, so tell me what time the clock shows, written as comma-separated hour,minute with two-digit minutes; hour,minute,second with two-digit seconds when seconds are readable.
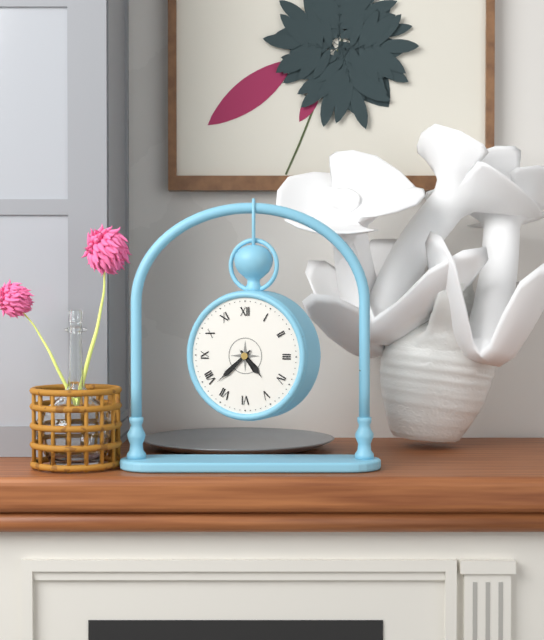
4,38
